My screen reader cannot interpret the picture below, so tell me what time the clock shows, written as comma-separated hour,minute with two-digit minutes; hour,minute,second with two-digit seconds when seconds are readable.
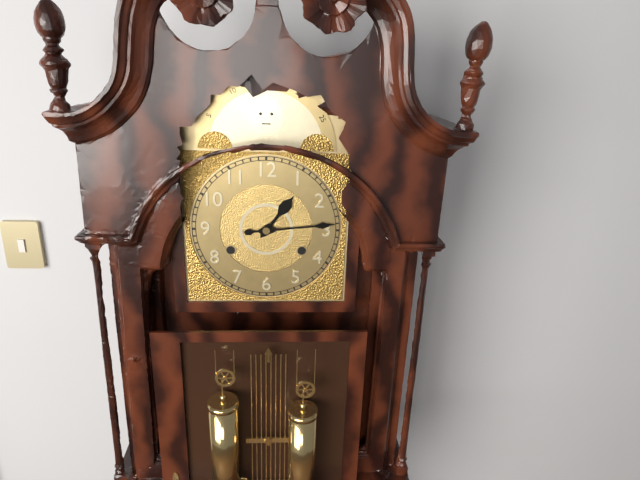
1,14
